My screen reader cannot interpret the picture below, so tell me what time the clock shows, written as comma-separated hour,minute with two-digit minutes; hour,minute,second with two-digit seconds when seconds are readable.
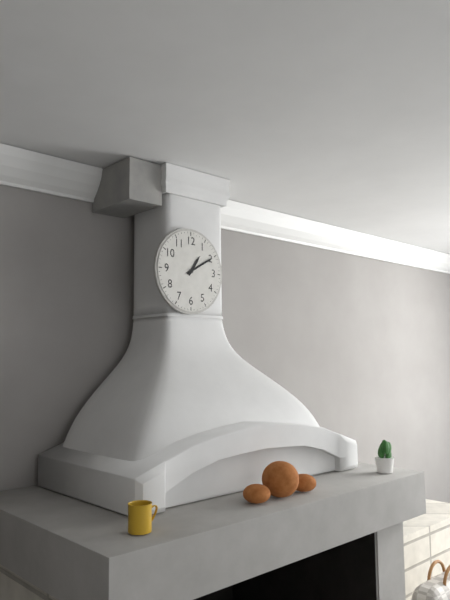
1,10
